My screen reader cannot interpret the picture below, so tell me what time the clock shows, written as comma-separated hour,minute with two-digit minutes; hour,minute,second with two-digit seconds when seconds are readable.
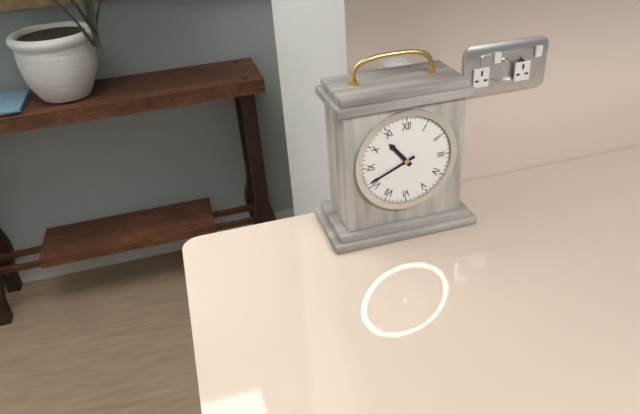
10,41
